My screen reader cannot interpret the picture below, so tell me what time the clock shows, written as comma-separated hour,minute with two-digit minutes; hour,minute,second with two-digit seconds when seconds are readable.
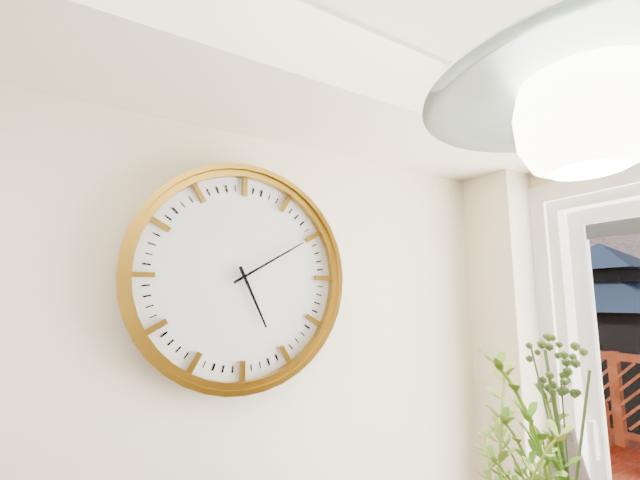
5,10
